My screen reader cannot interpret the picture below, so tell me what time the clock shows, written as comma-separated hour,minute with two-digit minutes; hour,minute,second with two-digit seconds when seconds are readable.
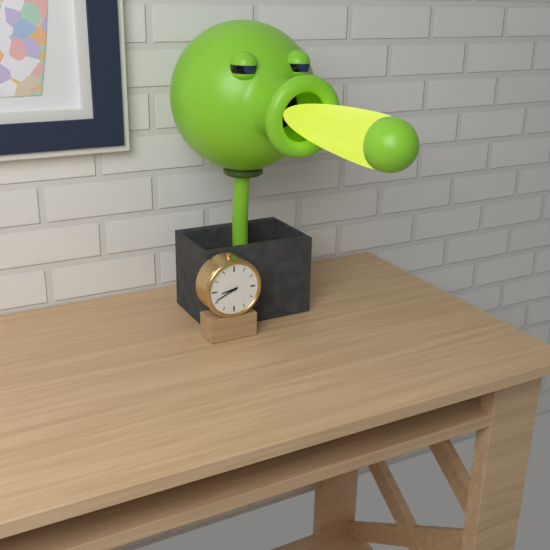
8,41
